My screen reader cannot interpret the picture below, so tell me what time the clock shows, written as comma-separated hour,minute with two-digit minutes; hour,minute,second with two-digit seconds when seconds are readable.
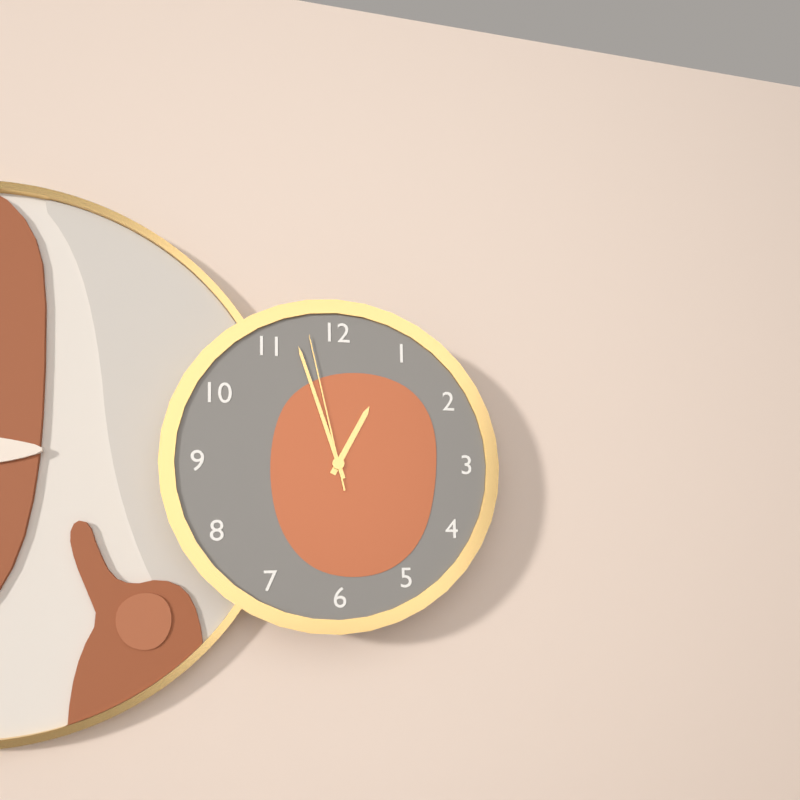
12,57,58
